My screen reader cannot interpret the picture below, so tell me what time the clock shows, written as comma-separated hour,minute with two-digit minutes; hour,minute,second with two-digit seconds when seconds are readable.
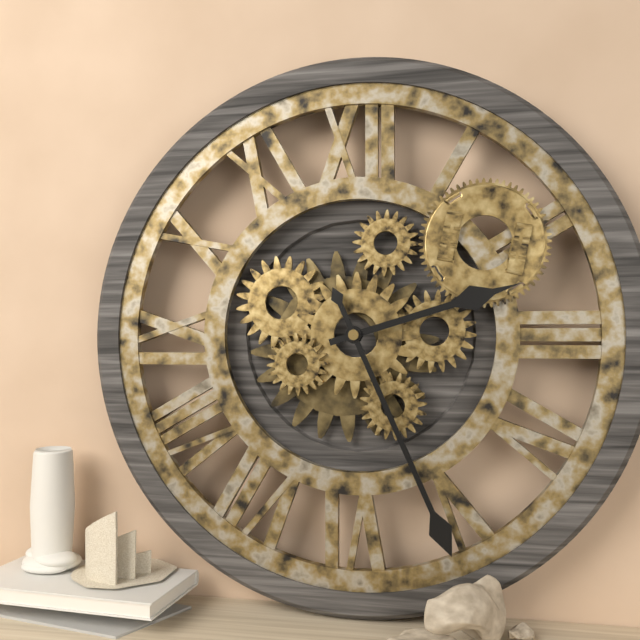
2,26
